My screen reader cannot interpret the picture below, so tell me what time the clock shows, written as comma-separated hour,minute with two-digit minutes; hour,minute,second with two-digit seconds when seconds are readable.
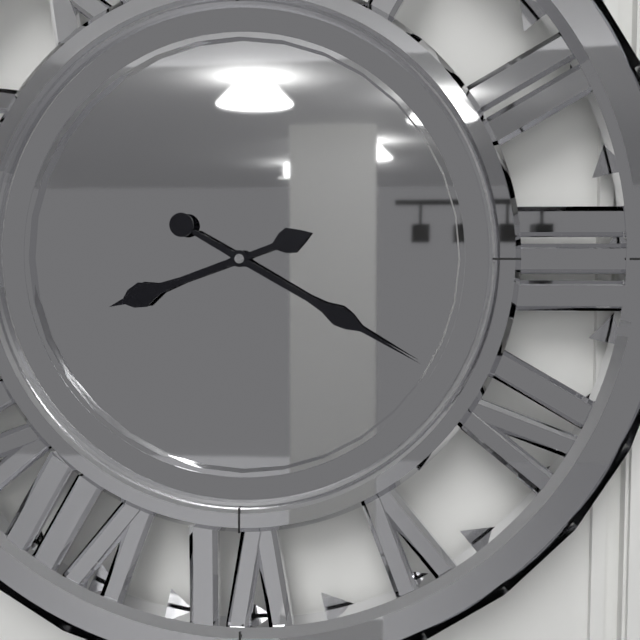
8,20
